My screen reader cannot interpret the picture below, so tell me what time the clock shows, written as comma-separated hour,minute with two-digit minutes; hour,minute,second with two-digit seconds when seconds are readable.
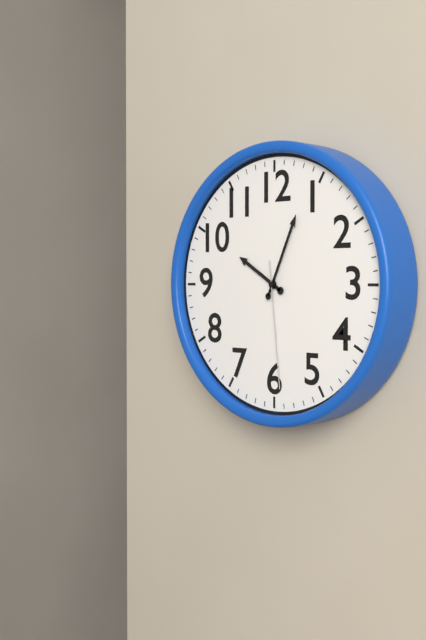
10,04,29
